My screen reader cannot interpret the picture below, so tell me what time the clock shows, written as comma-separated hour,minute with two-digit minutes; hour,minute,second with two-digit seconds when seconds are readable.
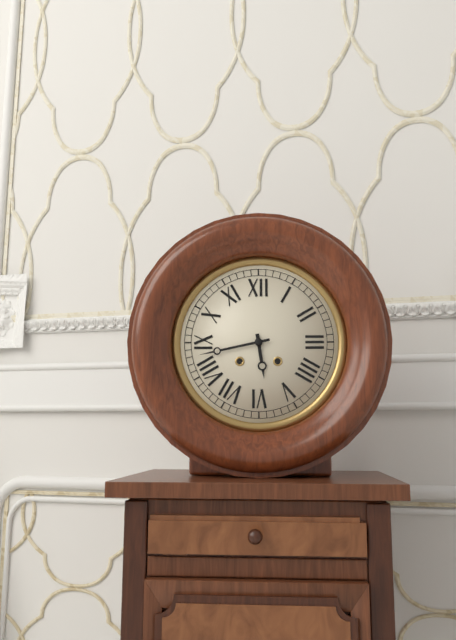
5,43
